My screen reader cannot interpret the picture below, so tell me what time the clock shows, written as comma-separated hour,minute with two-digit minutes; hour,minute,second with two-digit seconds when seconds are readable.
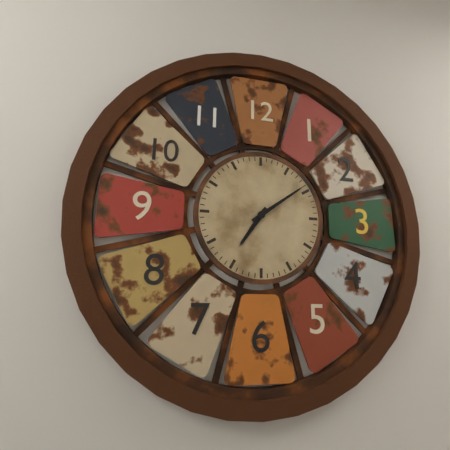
7,09
